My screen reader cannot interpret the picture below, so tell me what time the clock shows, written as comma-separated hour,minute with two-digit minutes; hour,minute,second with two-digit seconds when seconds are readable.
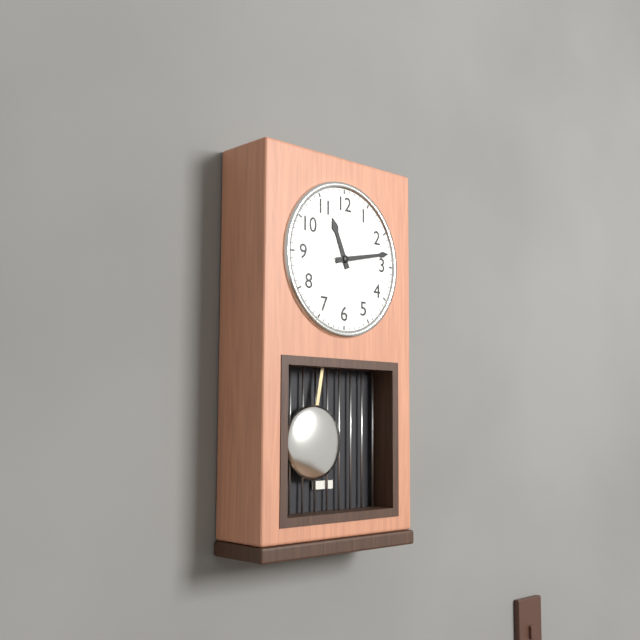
11,13
